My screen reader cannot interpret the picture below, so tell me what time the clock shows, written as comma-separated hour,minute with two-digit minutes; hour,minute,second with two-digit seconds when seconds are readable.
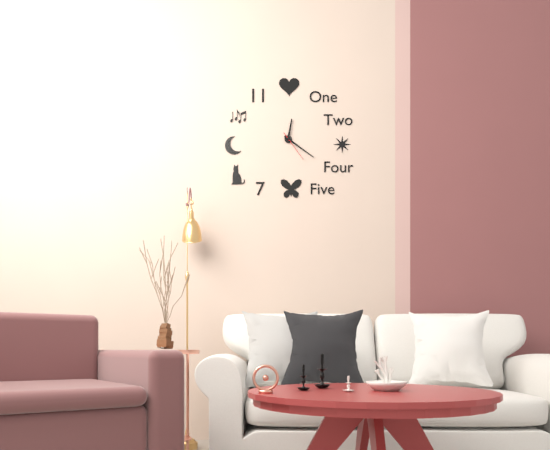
12,21
